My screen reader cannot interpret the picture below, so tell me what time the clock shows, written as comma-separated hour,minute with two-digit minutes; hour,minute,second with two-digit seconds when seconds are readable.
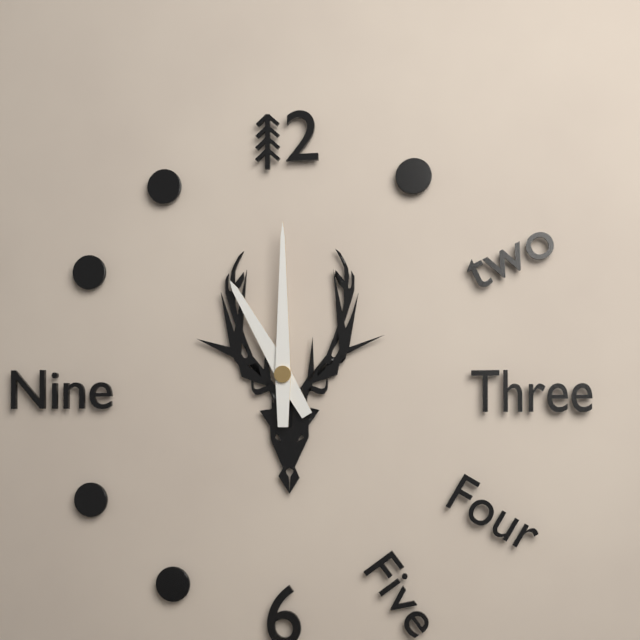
11,00
